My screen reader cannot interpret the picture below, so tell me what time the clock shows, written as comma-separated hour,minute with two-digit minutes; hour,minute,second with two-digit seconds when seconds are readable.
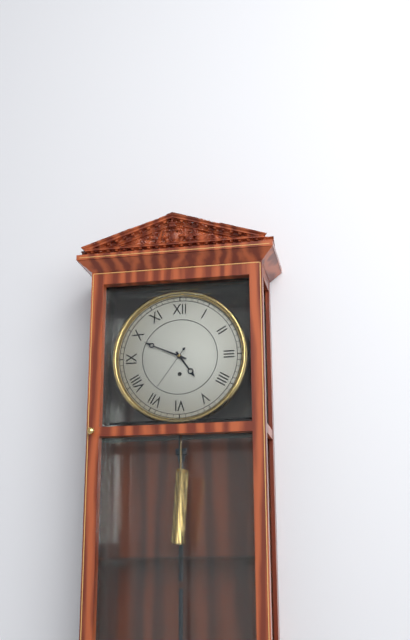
4,49
